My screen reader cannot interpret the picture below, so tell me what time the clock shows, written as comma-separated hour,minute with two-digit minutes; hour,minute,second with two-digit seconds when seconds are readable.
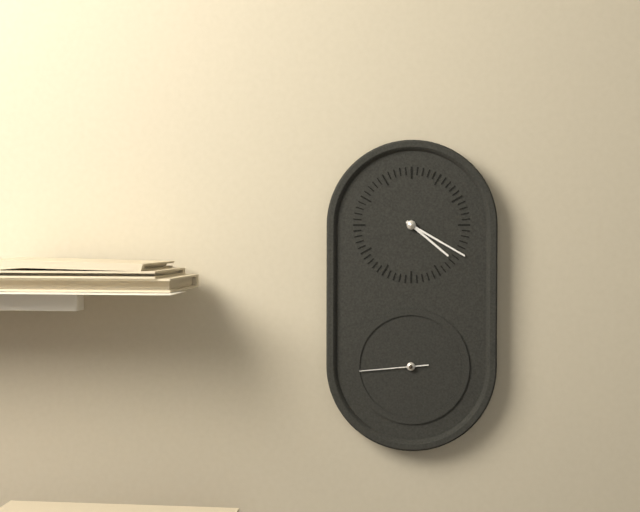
4,20,44
